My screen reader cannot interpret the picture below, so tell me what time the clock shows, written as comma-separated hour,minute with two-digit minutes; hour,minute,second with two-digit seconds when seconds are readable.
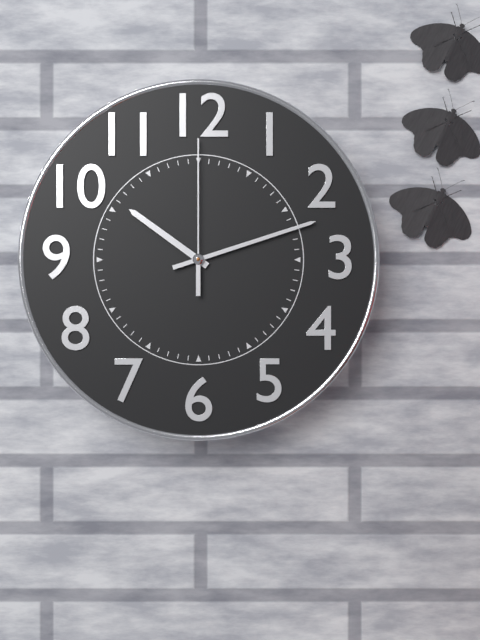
10,12,00
